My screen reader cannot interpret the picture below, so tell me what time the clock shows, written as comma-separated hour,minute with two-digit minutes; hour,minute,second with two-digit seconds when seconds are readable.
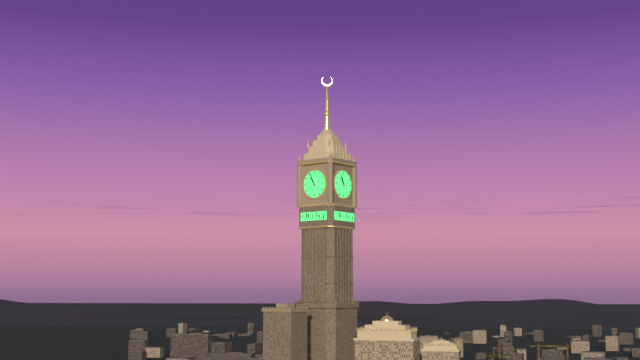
10,56
